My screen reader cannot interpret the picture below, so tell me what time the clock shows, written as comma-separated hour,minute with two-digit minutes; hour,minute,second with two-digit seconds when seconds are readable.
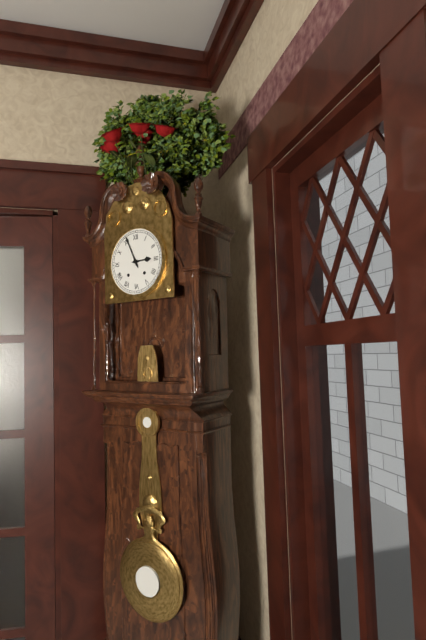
2,56
